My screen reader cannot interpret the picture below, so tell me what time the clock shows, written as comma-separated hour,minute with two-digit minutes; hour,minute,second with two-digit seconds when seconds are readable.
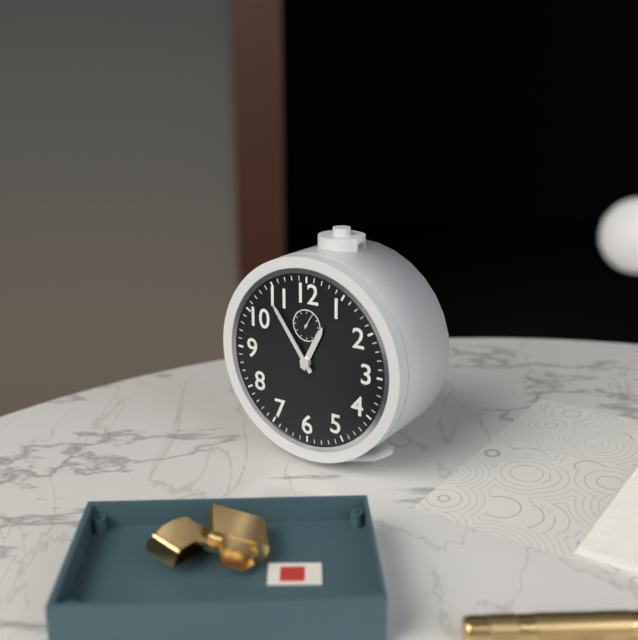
12,54
